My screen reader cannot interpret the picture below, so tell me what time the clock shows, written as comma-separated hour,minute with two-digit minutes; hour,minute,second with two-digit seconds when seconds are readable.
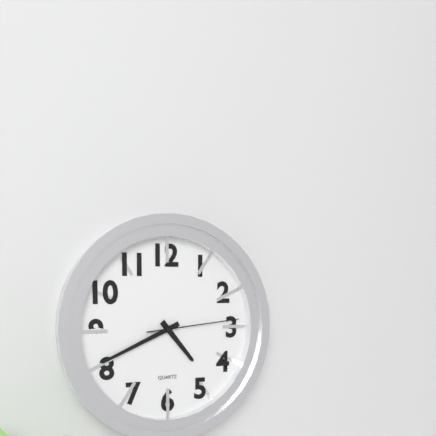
4,41,14
